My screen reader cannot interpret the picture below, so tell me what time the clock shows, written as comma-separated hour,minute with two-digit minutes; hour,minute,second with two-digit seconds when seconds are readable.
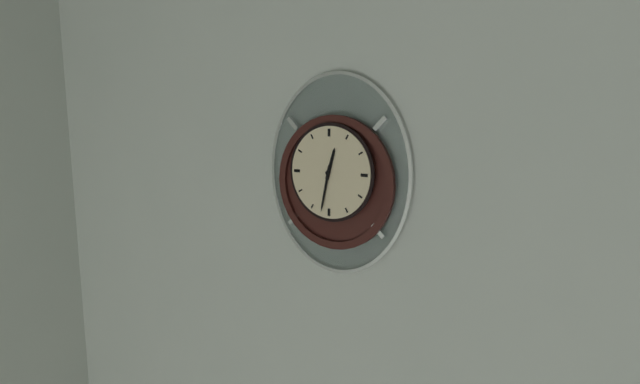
12,32
